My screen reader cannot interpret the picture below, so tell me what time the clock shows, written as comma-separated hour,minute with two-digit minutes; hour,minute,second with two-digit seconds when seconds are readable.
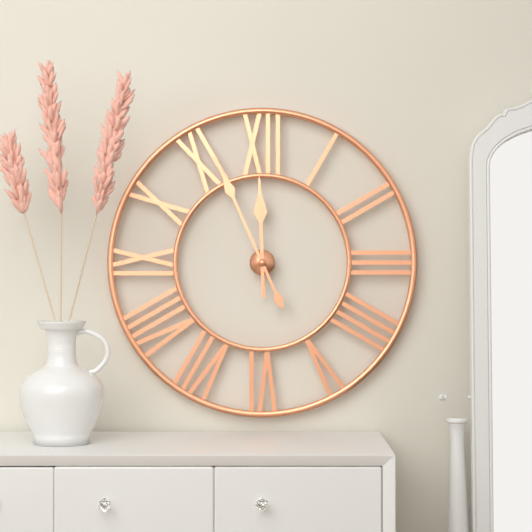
11,56
